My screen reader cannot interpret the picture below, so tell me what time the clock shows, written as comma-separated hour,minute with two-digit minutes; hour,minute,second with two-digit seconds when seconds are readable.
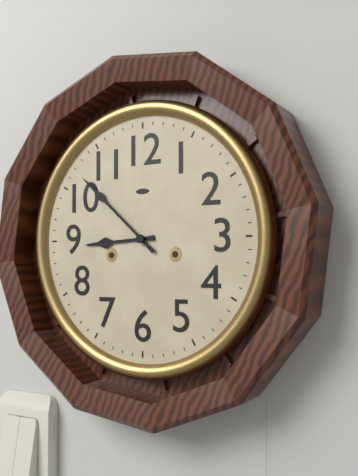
8,52
